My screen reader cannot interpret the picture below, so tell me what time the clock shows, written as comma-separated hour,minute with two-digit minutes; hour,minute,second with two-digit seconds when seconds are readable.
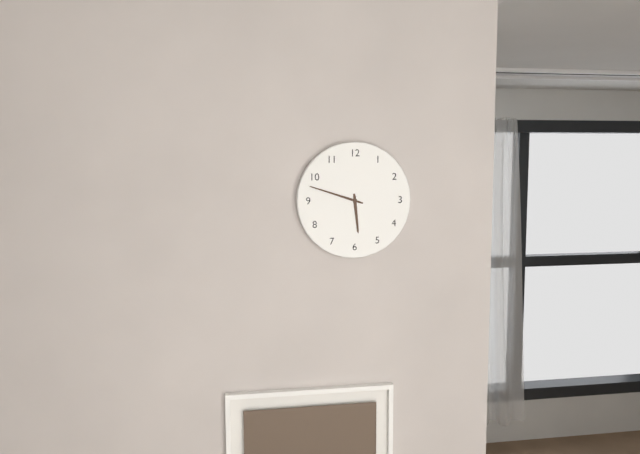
5,48
